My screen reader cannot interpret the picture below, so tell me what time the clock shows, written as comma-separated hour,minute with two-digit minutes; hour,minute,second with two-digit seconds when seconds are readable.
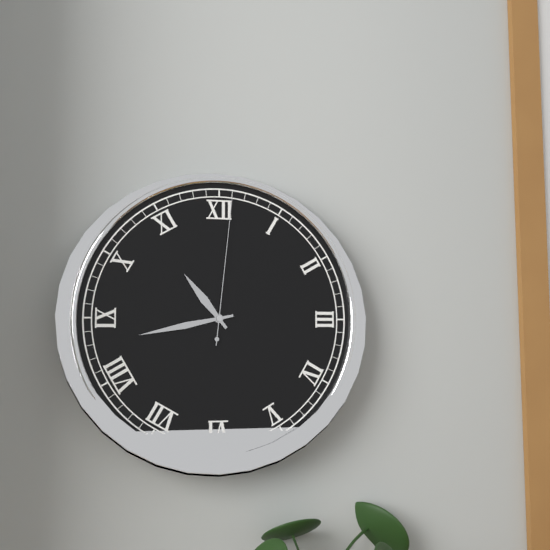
10,43,01
